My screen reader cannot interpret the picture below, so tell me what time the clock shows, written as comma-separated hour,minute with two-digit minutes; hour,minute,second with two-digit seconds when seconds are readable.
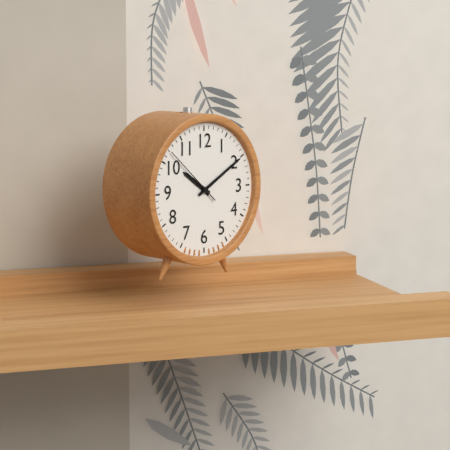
10,10,52
